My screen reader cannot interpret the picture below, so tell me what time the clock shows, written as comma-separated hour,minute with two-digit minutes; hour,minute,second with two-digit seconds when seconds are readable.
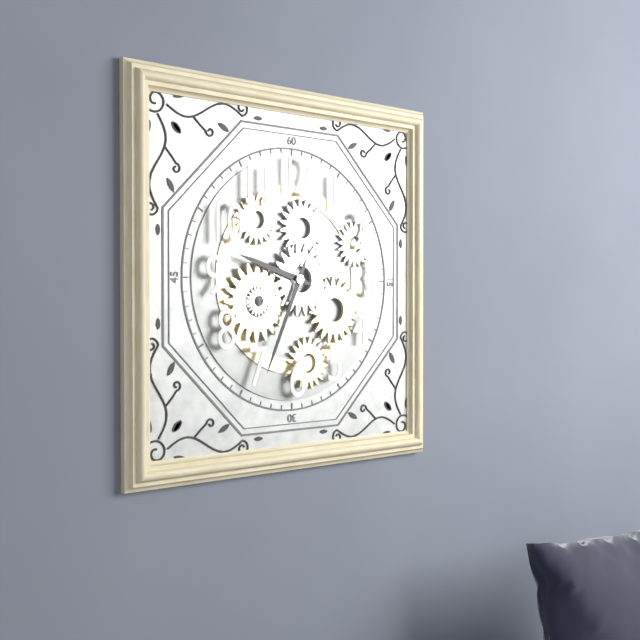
9,34
